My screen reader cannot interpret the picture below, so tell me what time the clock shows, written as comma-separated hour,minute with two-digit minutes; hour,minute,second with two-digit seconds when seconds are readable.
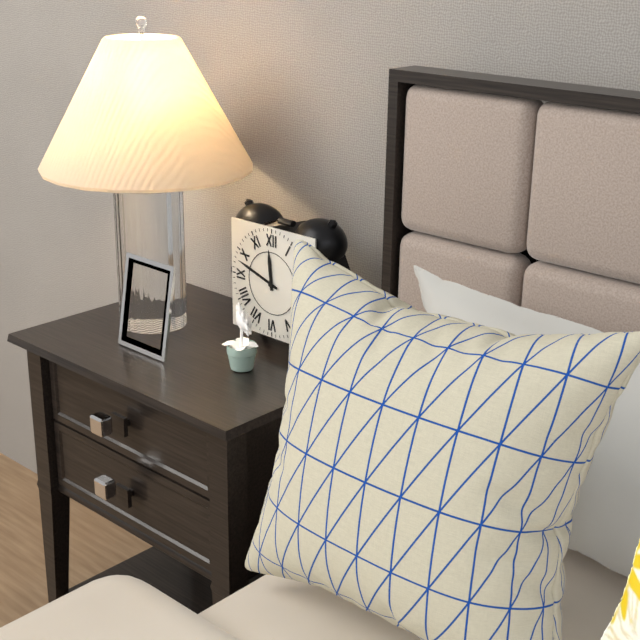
11,48
